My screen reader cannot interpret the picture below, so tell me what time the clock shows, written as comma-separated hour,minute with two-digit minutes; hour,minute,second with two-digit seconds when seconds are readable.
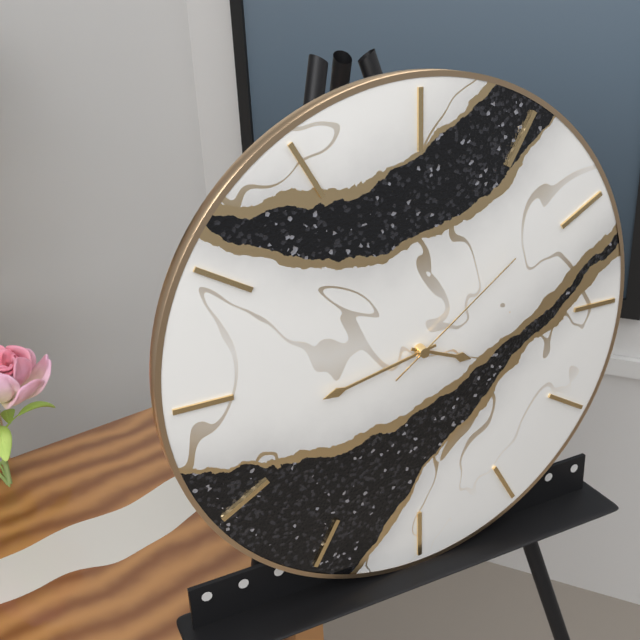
3,43,09
